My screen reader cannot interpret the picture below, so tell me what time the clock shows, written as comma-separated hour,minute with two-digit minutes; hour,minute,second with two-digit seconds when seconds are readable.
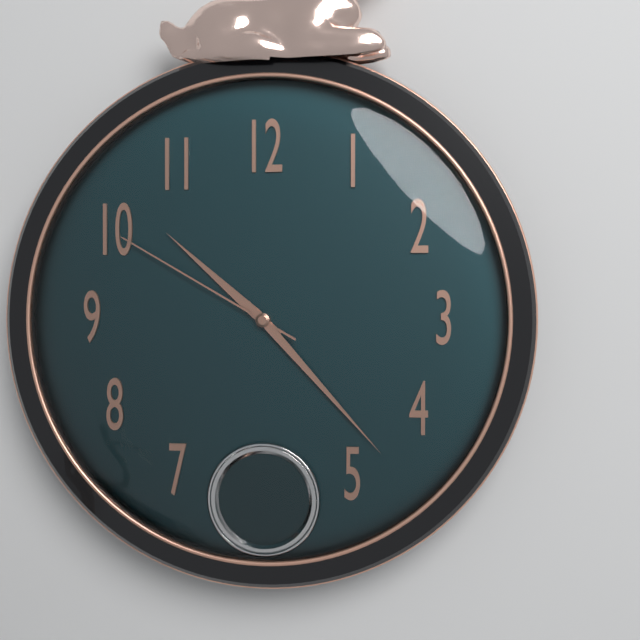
10,23,50
